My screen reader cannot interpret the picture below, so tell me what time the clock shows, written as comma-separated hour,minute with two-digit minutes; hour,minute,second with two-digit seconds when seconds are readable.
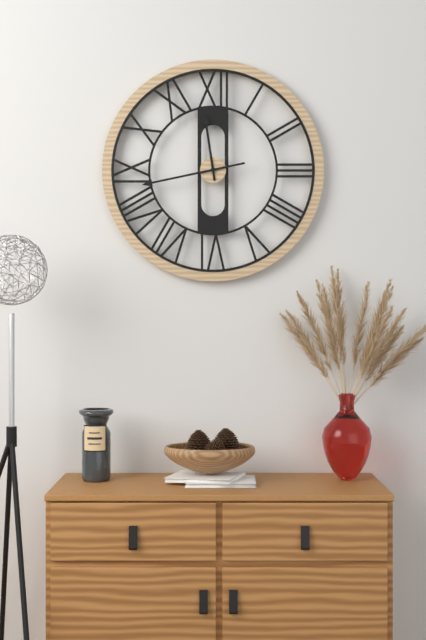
11,43
